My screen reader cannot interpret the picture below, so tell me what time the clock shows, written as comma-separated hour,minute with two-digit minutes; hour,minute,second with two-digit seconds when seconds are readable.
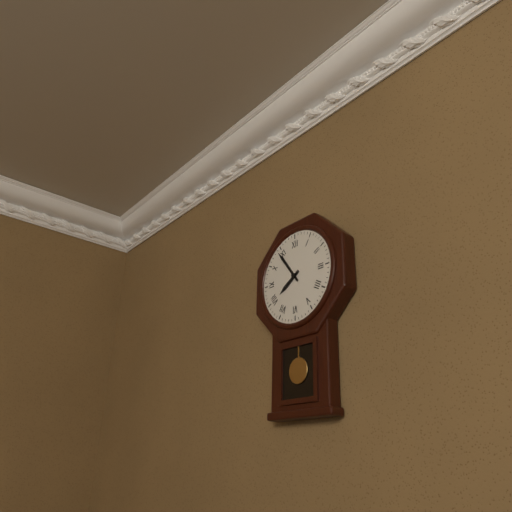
7,54
